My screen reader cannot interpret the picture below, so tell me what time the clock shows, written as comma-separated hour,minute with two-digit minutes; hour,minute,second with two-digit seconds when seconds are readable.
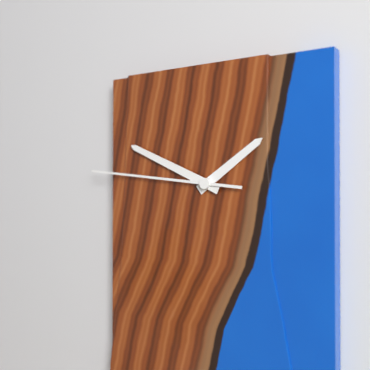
1,49,46
